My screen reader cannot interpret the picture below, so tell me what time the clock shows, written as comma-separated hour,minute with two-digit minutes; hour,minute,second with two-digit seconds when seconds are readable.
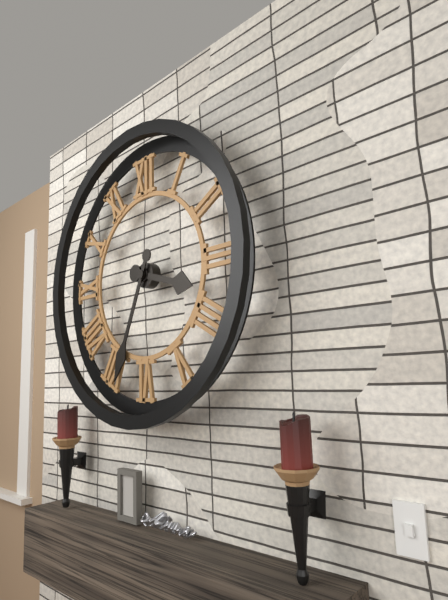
3,34
